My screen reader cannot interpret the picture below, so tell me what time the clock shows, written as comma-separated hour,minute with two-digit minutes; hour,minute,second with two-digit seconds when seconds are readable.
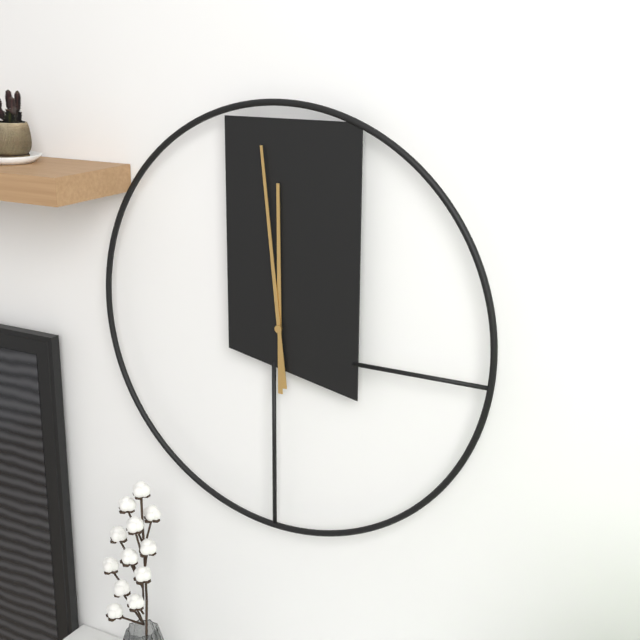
11,59
